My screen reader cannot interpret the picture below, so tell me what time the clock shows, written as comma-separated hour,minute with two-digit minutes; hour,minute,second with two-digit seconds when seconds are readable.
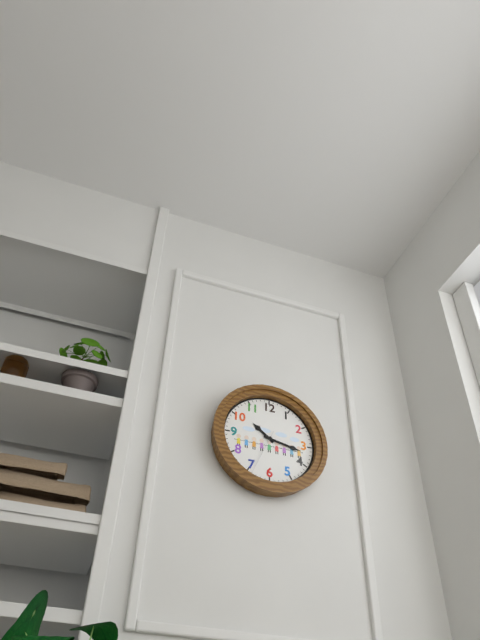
10,17,34
